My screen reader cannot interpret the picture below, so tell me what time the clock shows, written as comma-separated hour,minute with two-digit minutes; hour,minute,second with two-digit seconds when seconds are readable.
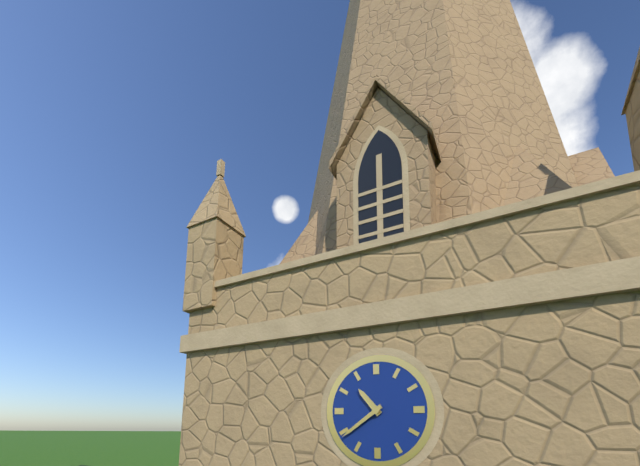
10,39
